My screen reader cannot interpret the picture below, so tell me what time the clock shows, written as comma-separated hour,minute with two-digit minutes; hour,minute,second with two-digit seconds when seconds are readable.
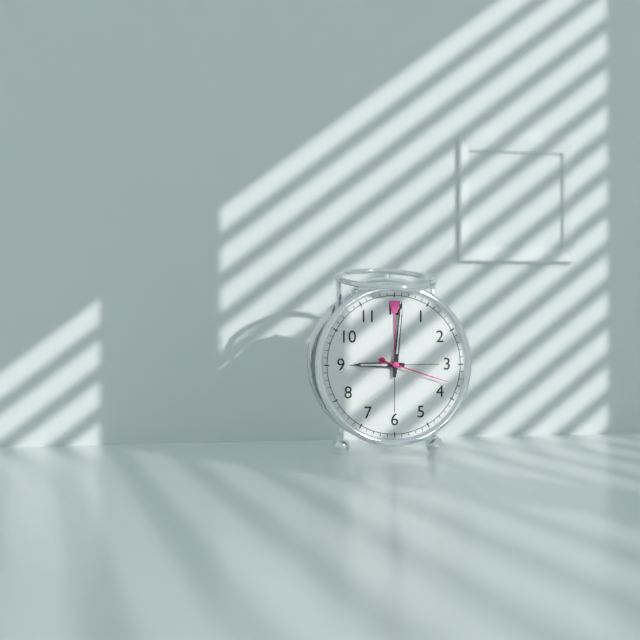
9,01,18
